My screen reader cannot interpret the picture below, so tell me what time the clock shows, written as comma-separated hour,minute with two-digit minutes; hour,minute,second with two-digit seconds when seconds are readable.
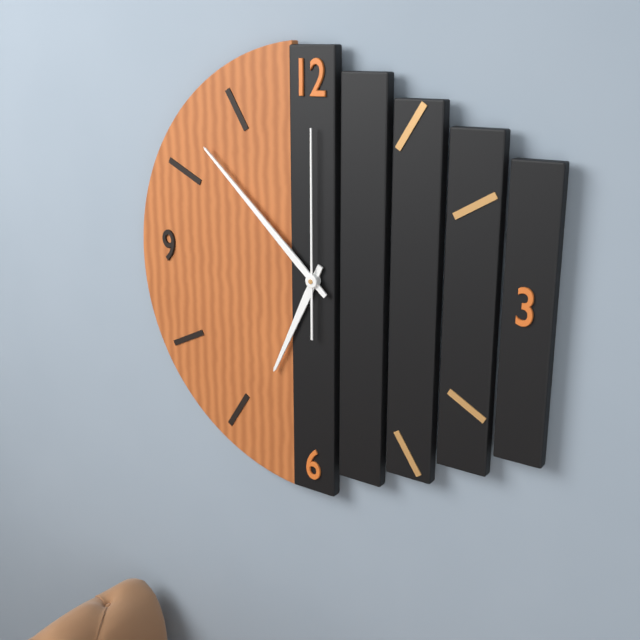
6,52,00
